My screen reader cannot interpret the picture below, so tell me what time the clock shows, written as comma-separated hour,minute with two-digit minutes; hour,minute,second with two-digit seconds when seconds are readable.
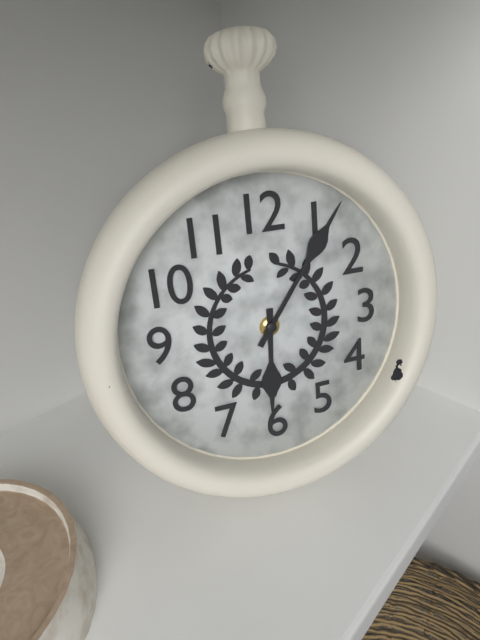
6,06
